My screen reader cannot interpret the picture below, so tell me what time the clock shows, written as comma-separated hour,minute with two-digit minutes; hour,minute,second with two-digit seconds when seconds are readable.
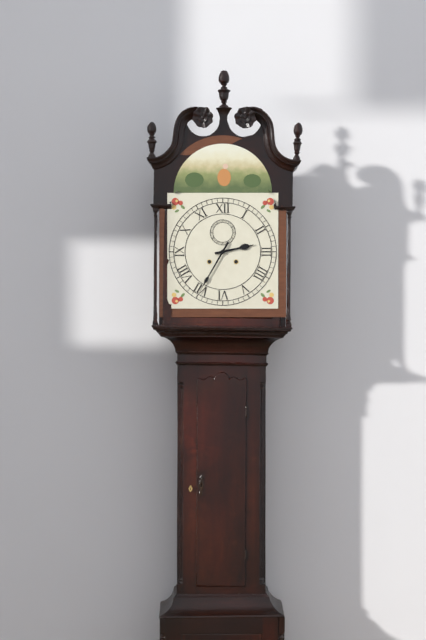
2,35
